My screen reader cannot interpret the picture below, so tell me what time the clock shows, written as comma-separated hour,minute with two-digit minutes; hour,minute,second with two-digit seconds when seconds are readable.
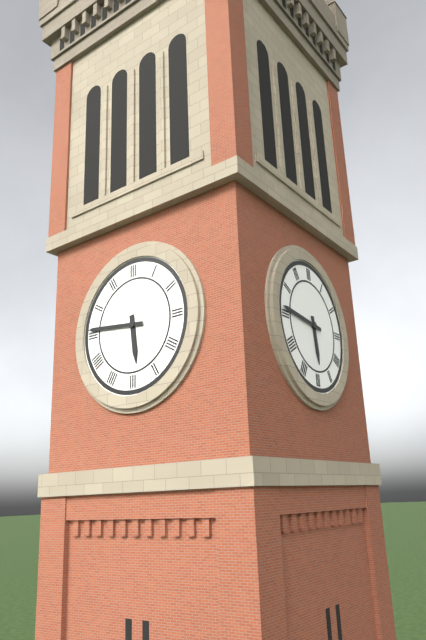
5,46
